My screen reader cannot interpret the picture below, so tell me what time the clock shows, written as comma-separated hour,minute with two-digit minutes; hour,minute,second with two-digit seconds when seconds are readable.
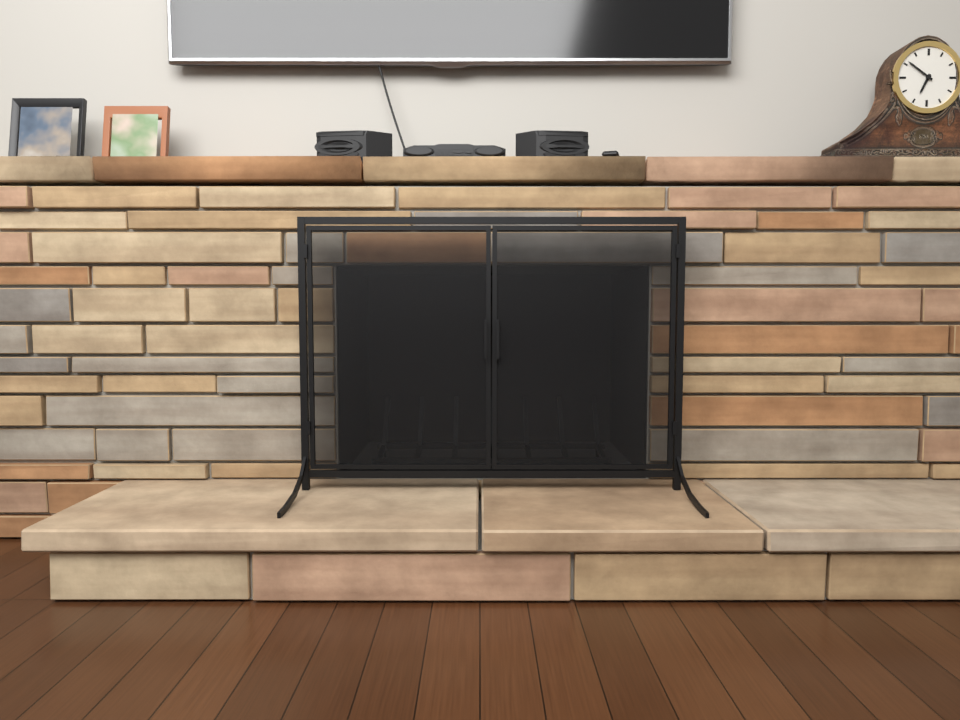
6,51
